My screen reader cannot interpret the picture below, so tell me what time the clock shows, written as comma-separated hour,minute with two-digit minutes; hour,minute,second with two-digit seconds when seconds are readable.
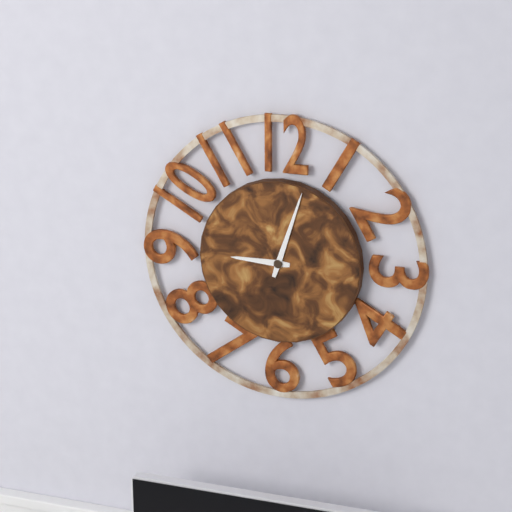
9,03
